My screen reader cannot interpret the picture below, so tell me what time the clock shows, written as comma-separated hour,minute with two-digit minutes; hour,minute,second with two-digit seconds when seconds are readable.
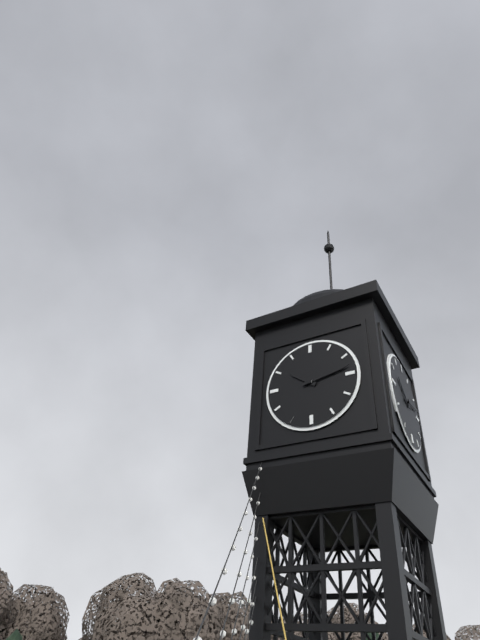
10,13
